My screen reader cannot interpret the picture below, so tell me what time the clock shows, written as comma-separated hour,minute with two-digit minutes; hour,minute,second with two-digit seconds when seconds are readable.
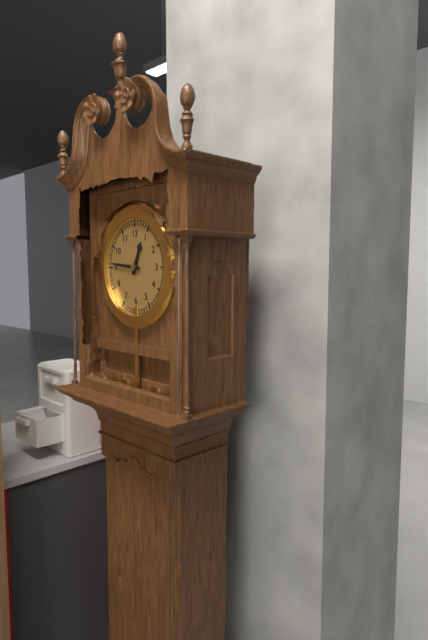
12,46
